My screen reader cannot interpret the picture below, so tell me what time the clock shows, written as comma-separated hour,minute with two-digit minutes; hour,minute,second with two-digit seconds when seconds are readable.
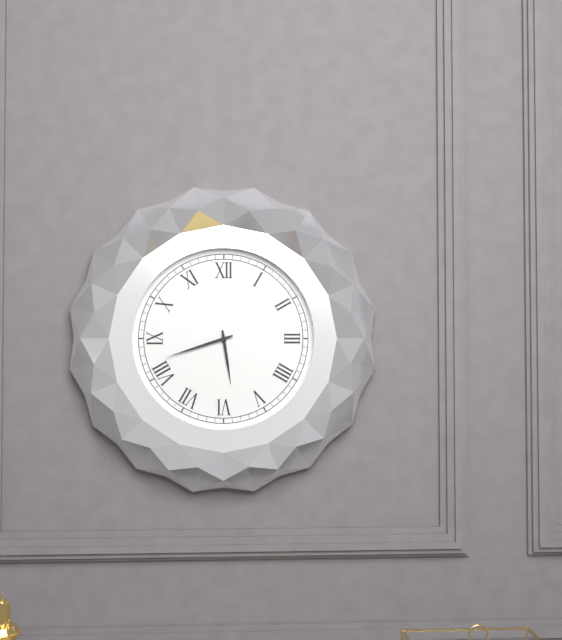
5,42
